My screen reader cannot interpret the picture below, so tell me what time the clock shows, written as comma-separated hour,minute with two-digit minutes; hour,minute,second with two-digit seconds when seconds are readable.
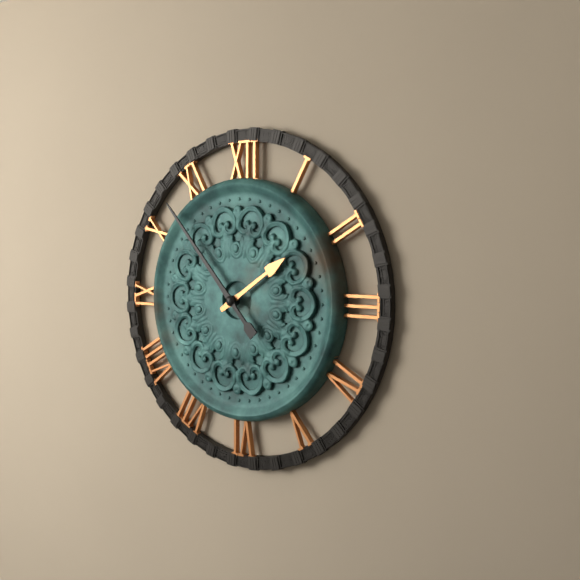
1,53
